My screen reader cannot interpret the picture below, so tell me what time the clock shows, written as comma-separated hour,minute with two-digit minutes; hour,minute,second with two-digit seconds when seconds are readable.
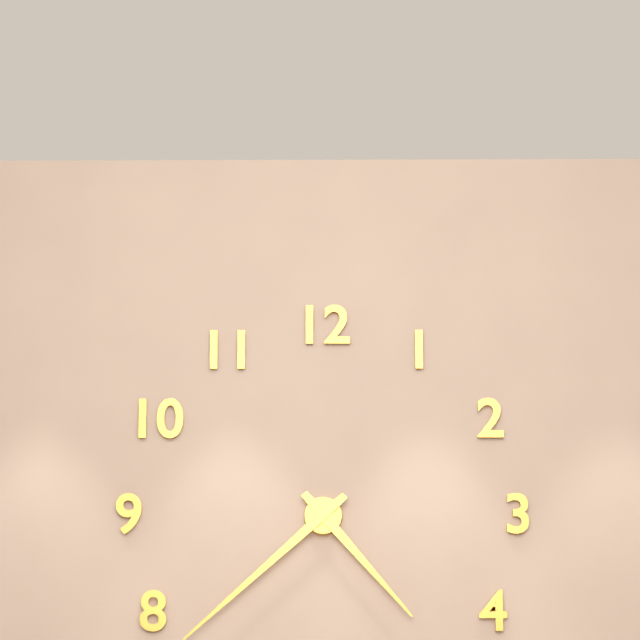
4,38
